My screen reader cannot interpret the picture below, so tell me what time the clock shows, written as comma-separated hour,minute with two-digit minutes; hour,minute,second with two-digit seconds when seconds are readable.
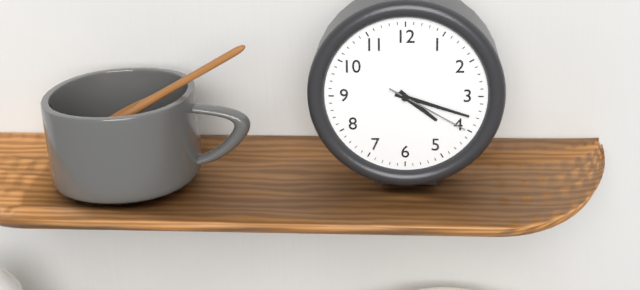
4,18,20
